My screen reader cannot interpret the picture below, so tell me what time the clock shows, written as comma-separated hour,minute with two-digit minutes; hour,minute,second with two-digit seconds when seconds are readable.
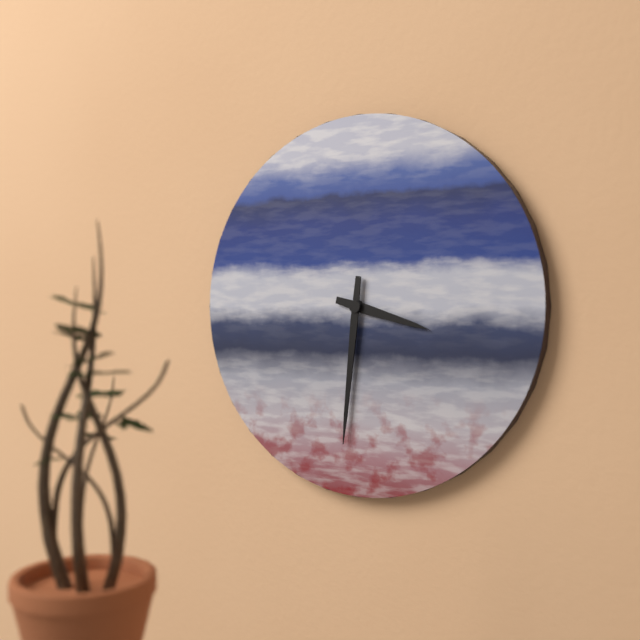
3,31
